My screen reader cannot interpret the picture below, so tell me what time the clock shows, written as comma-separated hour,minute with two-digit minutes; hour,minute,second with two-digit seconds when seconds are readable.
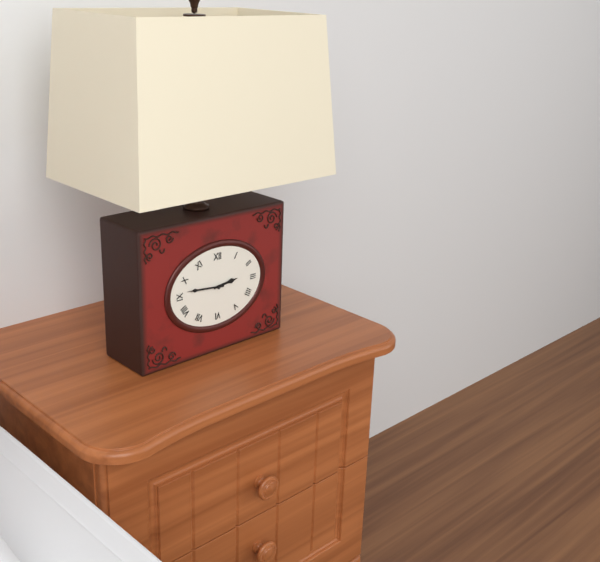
2,46
